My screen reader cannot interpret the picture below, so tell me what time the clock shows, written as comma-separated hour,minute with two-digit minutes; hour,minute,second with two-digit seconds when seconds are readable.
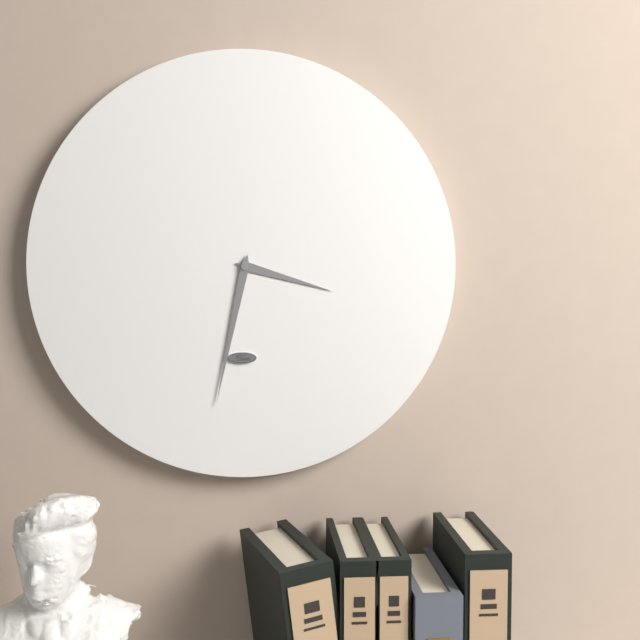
3,32
